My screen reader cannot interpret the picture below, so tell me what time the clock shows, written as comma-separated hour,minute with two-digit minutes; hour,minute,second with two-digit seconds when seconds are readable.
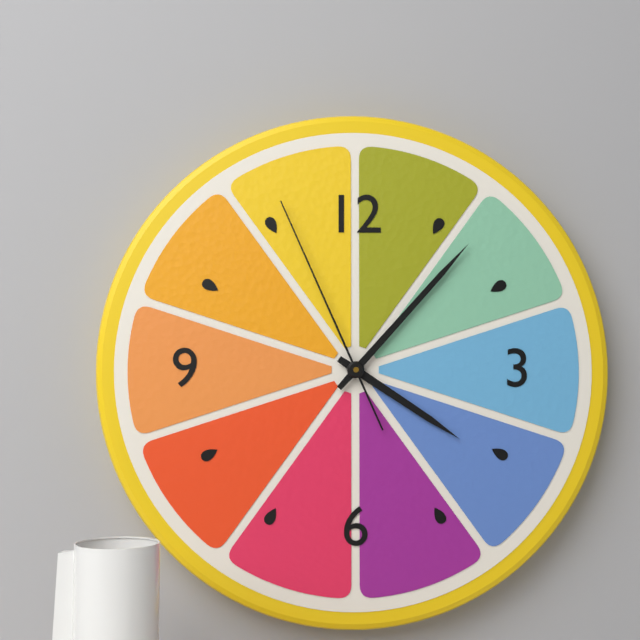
4,07,56
